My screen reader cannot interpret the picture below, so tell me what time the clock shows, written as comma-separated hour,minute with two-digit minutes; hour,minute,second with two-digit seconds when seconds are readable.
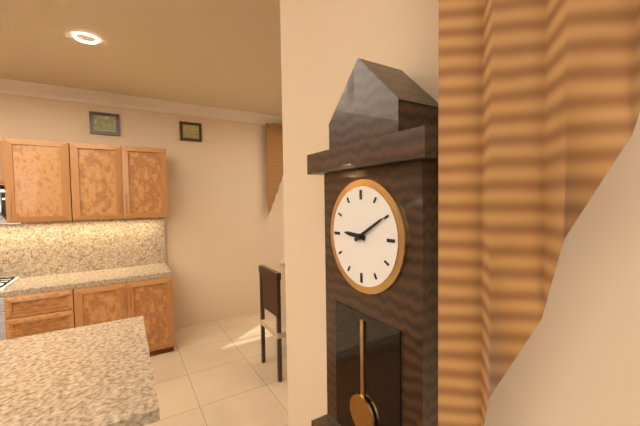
9,10
